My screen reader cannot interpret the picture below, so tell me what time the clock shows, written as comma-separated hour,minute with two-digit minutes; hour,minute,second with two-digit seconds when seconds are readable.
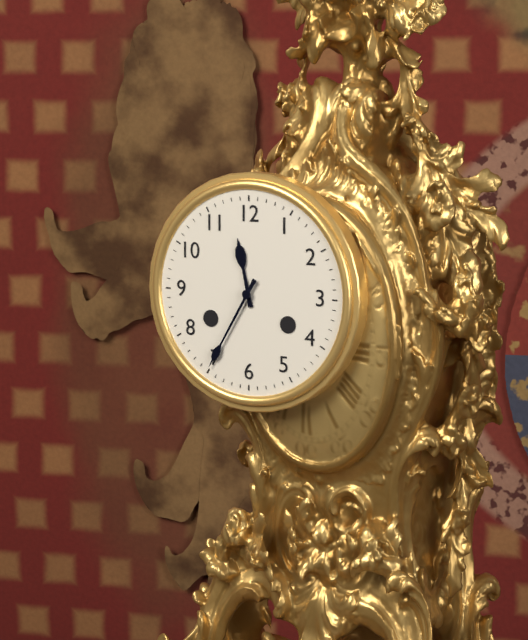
11,35
